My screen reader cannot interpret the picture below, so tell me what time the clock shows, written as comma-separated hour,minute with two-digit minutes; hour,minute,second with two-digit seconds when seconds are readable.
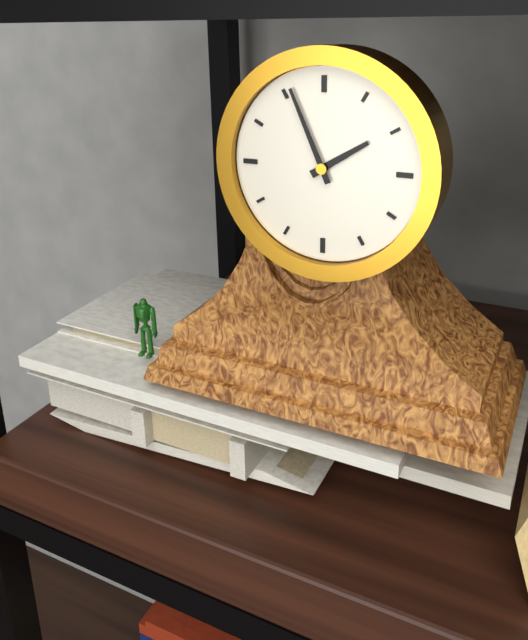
1,56
